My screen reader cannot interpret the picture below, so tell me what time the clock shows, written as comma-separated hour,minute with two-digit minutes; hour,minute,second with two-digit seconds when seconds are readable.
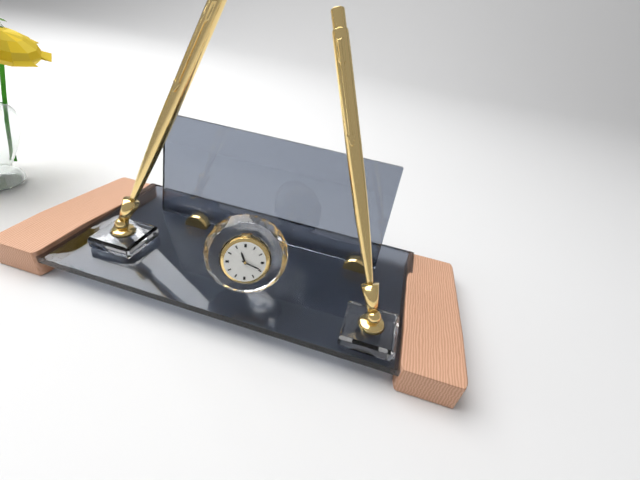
11,19
